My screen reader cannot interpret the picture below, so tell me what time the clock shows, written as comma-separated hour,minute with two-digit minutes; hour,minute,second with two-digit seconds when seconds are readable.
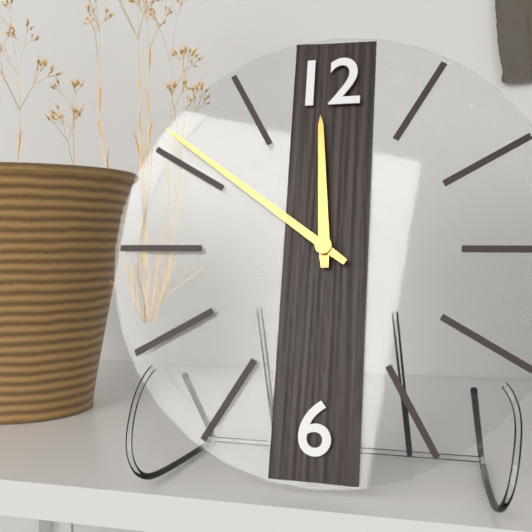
11,51
